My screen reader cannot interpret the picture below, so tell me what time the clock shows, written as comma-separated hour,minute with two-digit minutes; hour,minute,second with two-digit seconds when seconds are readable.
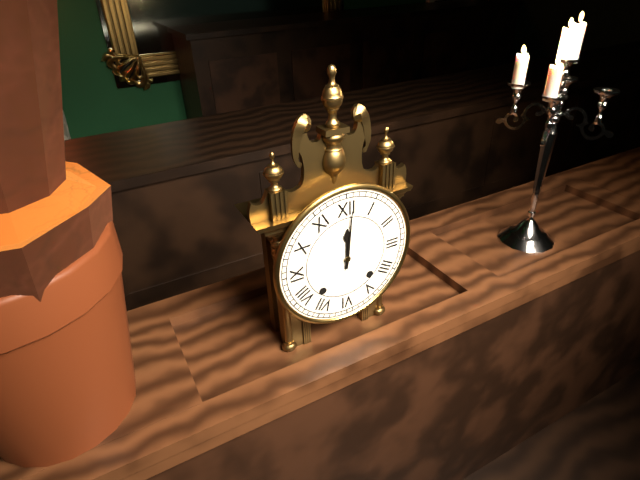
12,01
